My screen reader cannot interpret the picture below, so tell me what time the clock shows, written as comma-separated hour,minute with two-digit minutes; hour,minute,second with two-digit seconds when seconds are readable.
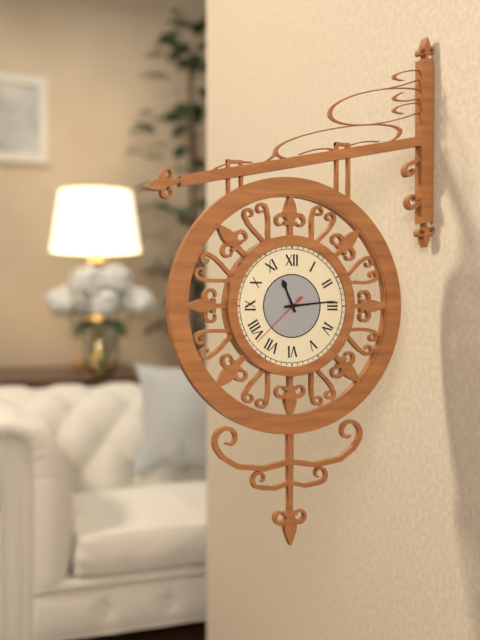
11,14,38
